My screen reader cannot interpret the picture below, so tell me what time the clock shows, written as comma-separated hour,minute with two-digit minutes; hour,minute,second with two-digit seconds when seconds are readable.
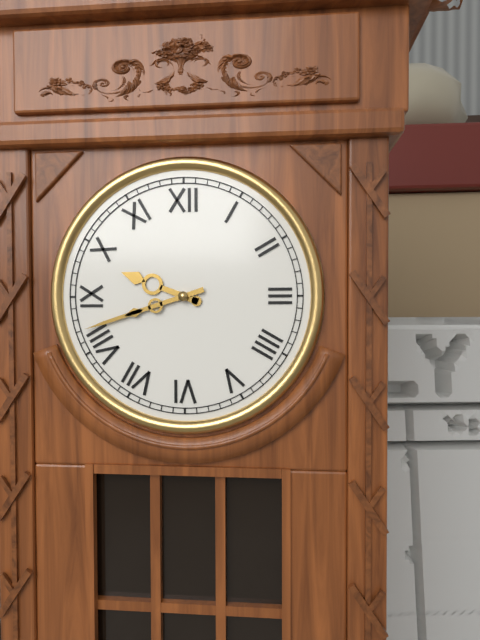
9,42
